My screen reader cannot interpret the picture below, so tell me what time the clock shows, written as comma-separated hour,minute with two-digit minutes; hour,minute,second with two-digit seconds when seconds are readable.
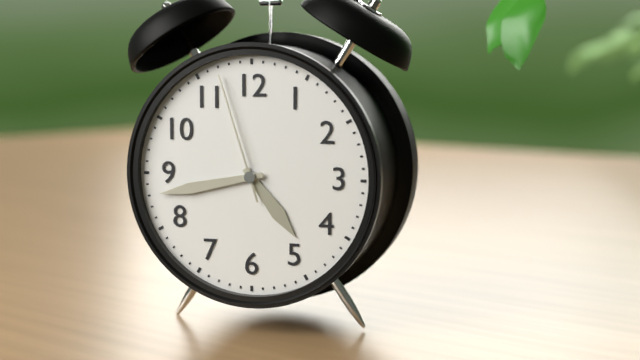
4,43,57
